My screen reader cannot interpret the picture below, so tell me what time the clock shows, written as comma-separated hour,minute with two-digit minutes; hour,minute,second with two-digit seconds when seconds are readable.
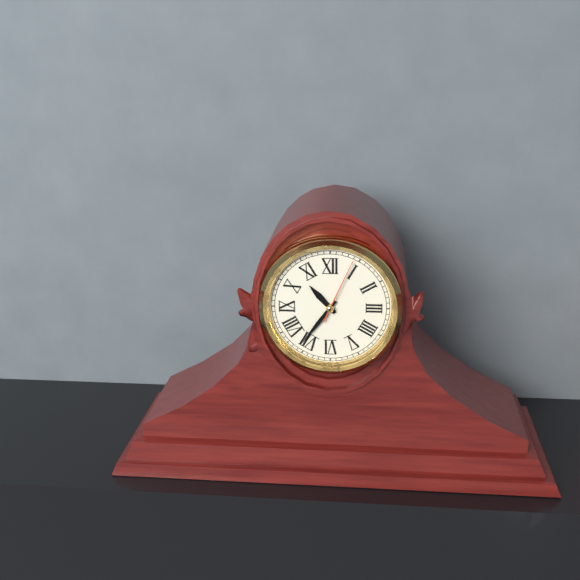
10,36,04
